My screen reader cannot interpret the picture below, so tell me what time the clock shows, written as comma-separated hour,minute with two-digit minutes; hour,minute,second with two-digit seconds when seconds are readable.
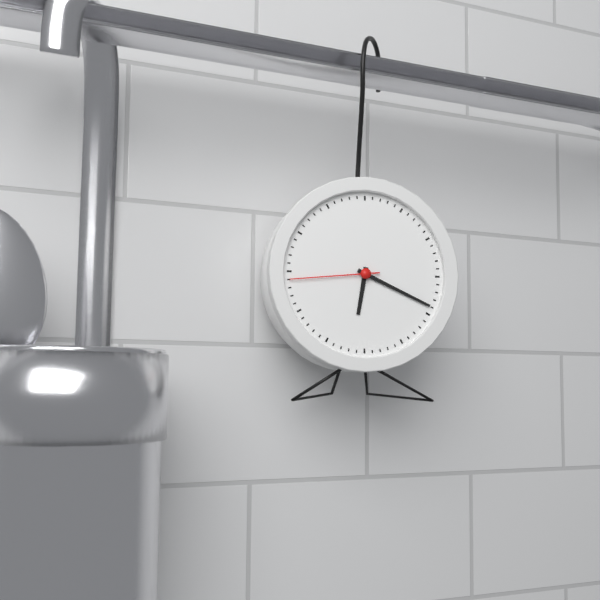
6,19,44
